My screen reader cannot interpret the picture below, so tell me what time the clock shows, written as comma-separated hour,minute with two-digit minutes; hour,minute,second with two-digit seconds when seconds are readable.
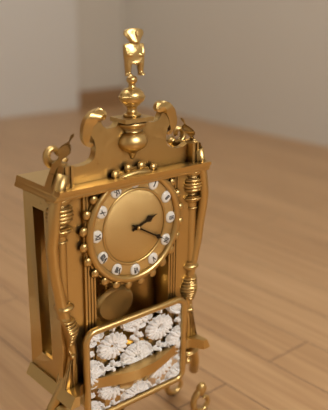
2,20
